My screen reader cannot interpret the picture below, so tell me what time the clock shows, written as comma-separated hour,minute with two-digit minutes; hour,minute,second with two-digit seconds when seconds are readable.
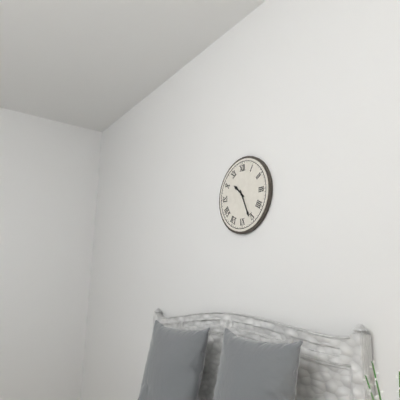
10,26
